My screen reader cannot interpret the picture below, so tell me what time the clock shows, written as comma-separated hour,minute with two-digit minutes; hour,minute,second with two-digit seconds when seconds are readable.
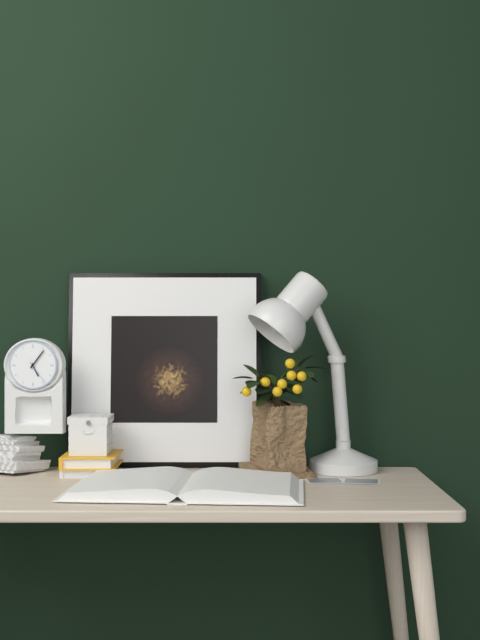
5,06
